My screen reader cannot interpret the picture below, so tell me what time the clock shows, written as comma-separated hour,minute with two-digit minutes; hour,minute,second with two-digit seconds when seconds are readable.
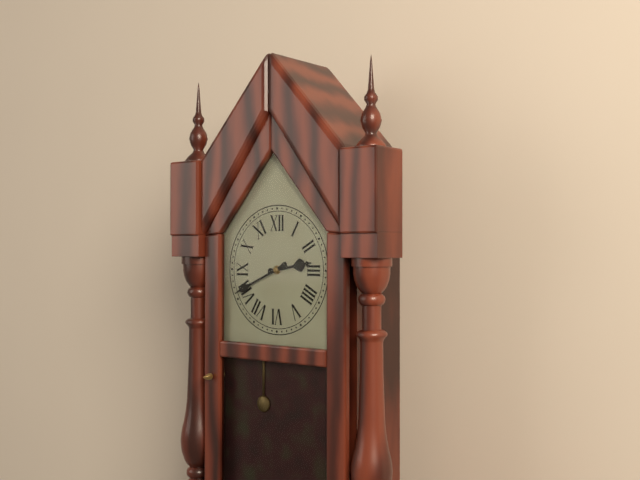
2,41
